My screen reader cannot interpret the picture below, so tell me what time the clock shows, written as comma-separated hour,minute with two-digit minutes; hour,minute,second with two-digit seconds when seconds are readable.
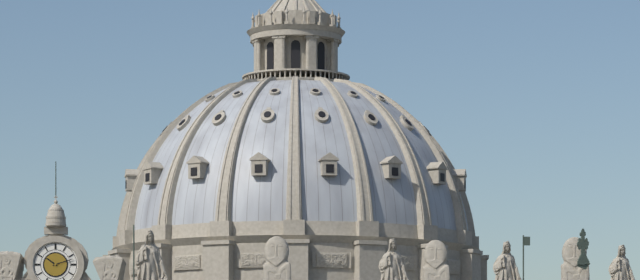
10,12
